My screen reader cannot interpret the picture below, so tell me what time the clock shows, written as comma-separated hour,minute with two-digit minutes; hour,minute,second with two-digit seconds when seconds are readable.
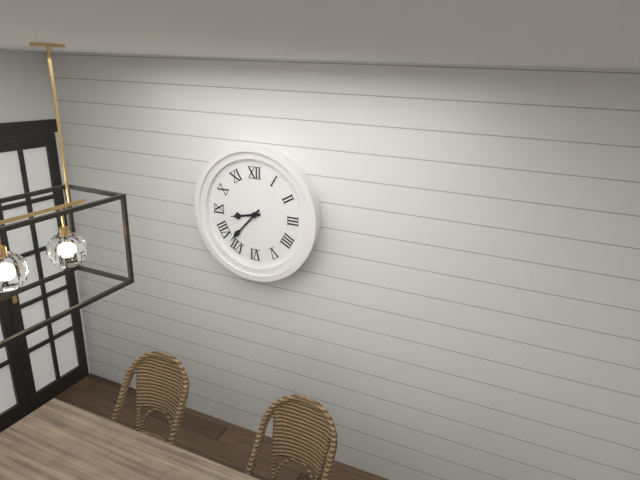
8,37
